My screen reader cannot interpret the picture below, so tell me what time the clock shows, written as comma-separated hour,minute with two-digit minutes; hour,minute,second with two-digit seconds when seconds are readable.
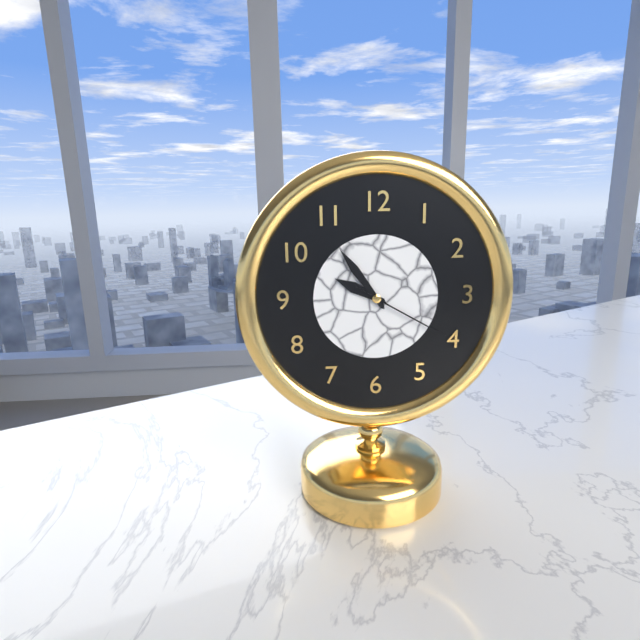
9,54,20
